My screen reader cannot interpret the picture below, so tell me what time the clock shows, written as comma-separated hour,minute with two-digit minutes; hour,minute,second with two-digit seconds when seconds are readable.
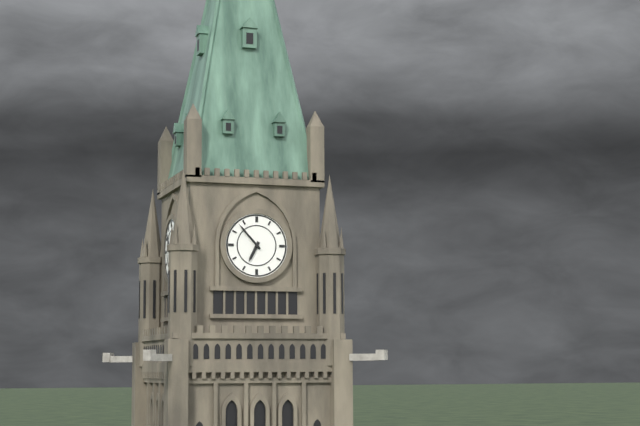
6,53
